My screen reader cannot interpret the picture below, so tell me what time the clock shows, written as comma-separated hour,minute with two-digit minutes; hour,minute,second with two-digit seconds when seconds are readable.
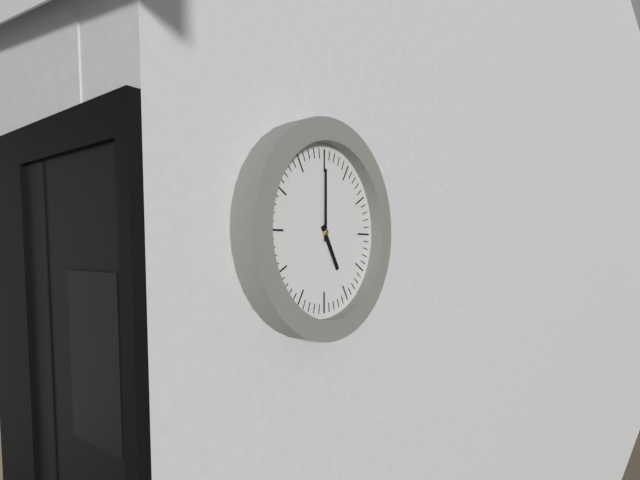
5,00
